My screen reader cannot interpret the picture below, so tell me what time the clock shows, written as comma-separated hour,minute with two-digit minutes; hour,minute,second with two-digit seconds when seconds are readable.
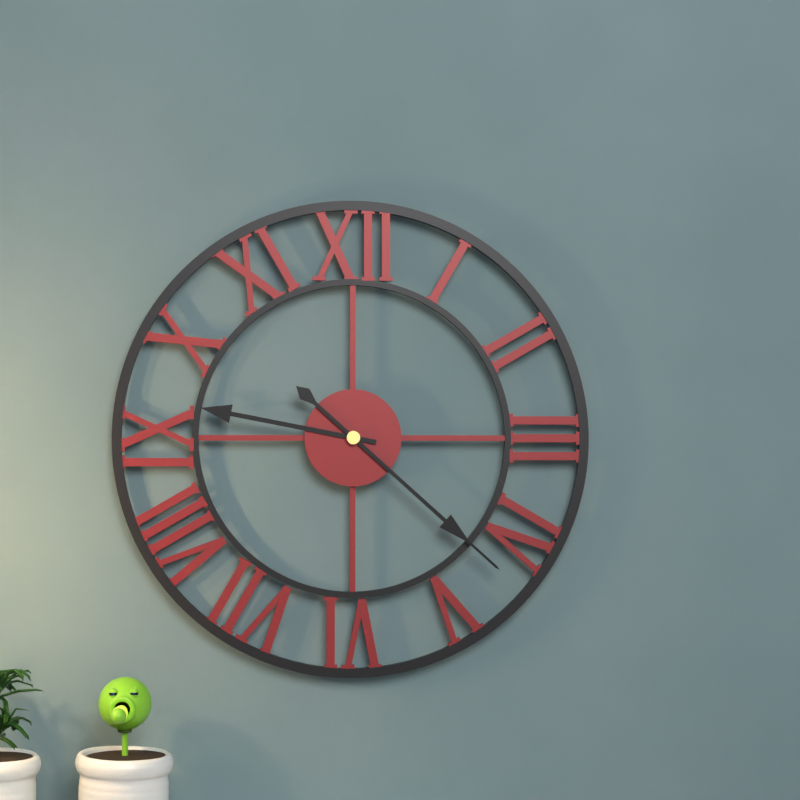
9,22
